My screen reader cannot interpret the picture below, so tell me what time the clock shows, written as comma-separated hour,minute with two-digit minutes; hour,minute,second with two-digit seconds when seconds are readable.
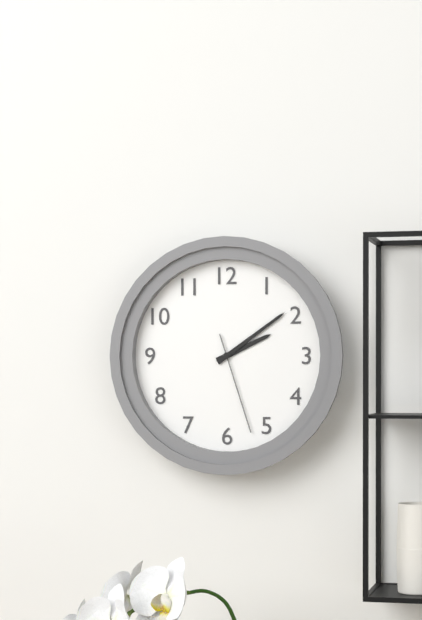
2,09,27
